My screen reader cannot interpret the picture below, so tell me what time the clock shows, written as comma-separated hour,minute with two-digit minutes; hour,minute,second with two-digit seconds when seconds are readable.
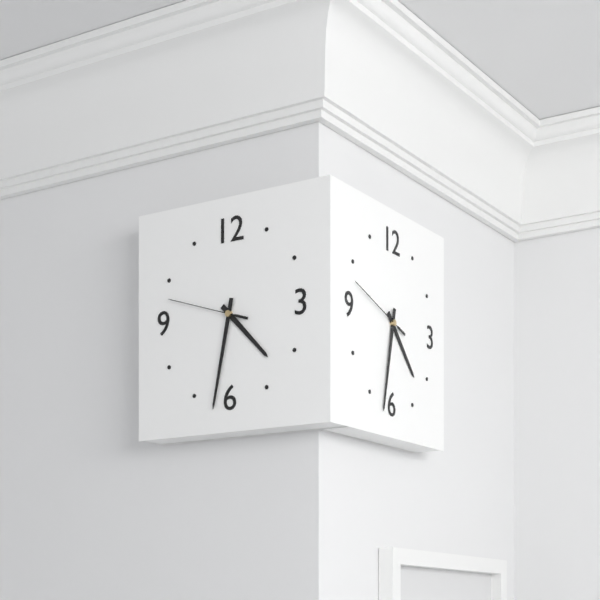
4,32,48
